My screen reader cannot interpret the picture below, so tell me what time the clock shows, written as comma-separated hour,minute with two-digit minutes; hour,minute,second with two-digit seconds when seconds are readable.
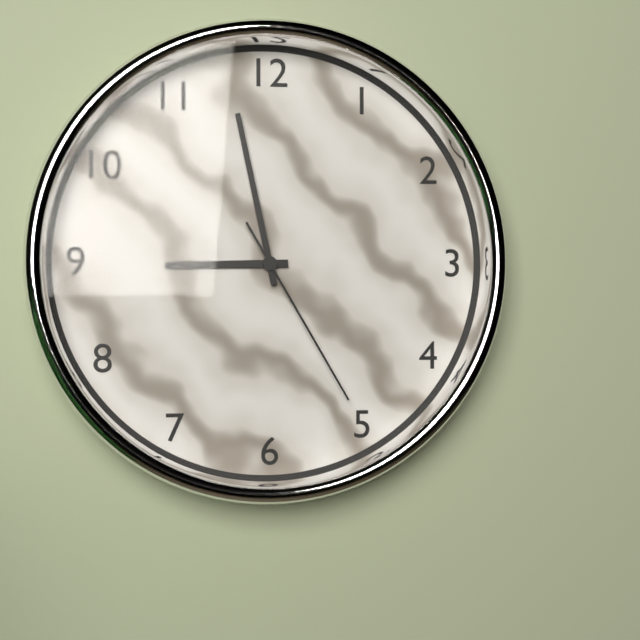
8,58,25
